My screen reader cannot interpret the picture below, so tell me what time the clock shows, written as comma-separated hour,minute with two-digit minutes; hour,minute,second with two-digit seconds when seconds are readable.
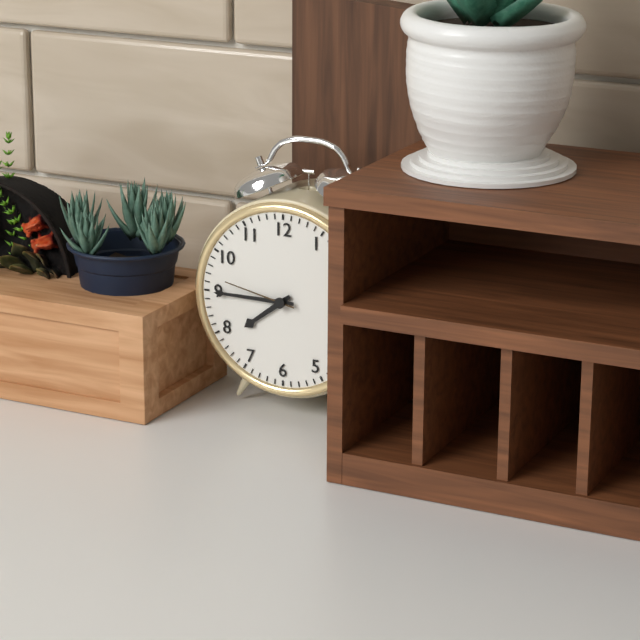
7,45,47
